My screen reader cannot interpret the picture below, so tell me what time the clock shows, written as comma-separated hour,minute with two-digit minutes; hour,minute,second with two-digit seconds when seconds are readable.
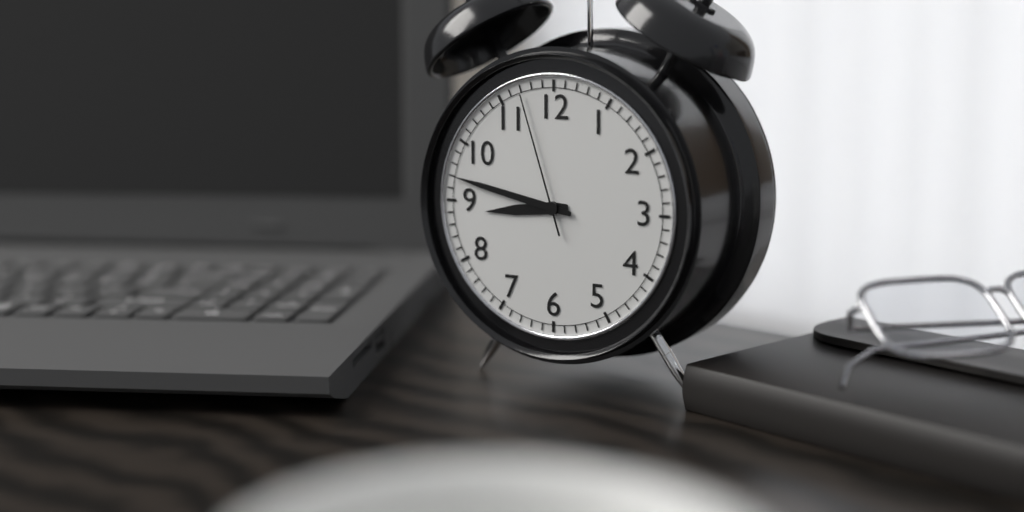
8,47,57
